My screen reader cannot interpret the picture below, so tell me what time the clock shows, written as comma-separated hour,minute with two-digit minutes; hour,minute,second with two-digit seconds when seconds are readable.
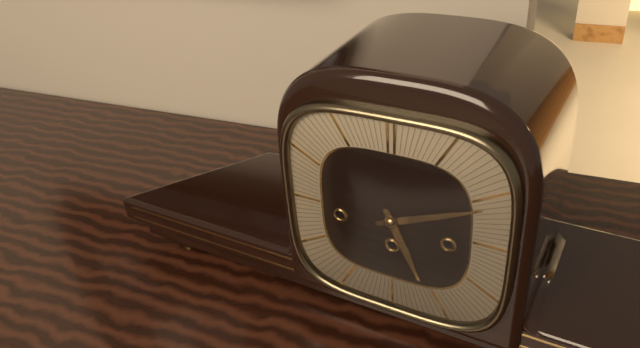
5,11
